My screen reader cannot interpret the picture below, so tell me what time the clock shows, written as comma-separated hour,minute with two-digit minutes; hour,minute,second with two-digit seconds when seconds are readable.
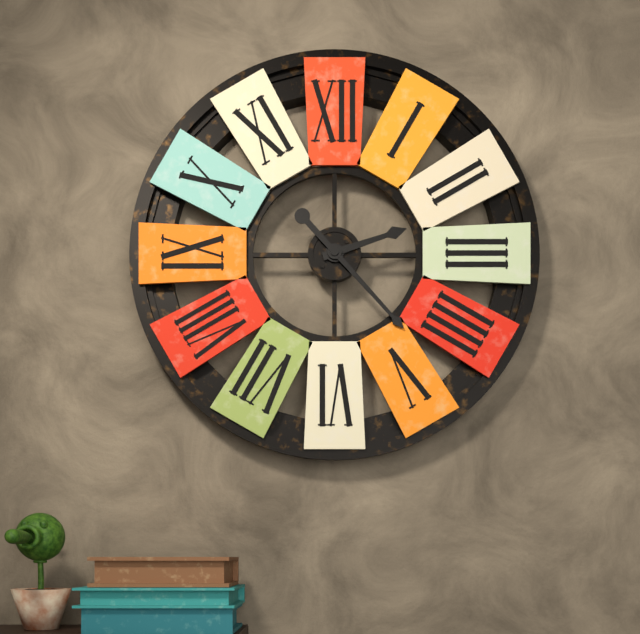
2,23
